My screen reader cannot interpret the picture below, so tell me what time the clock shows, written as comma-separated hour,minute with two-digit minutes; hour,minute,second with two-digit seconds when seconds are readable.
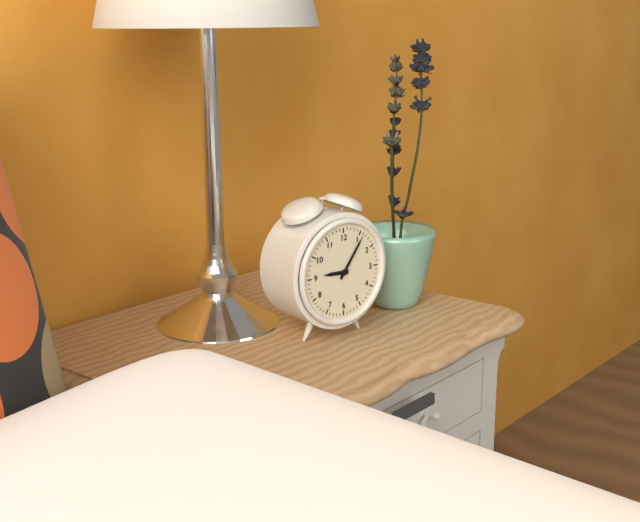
9,06
